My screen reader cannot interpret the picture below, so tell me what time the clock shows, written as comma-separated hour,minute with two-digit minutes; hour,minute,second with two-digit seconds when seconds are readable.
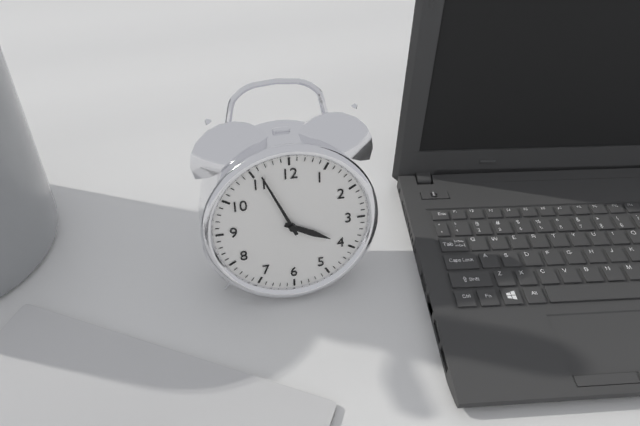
3,56
